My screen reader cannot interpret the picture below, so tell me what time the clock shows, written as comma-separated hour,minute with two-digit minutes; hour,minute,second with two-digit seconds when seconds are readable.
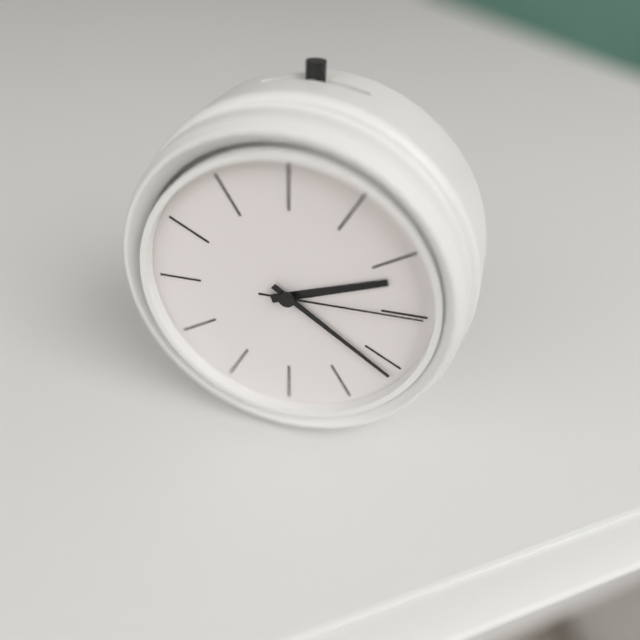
2,21,15
